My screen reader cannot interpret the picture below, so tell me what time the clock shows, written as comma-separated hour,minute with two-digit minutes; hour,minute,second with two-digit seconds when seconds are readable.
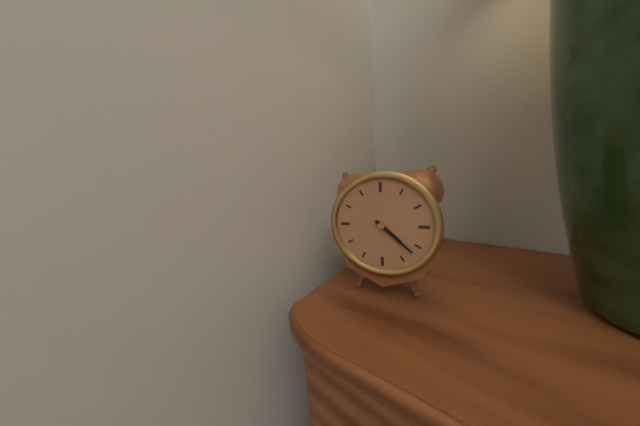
4,22
